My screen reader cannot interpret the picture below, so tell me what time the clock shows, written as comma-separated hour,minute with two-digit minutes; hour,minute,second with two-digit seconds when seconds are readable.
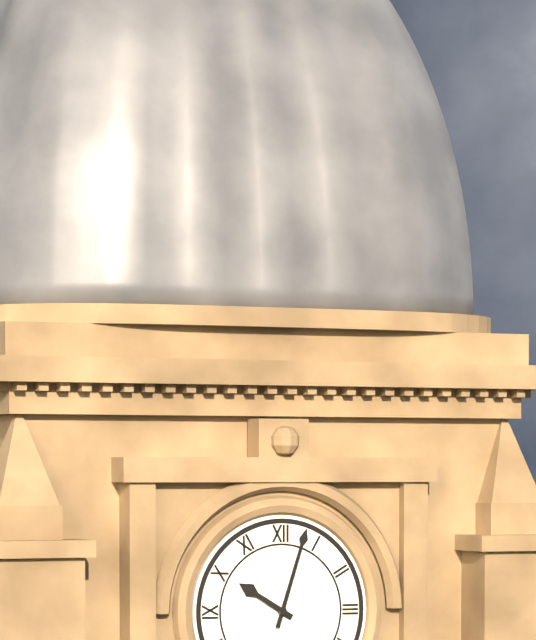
10,03
